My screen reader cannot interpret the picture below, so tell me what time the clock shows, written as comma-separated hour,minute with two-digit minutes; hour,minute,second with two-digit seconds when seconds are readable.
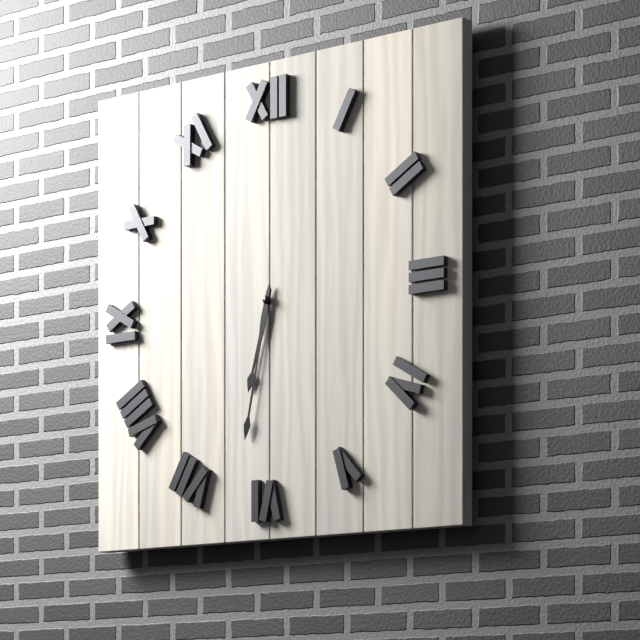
6,32
